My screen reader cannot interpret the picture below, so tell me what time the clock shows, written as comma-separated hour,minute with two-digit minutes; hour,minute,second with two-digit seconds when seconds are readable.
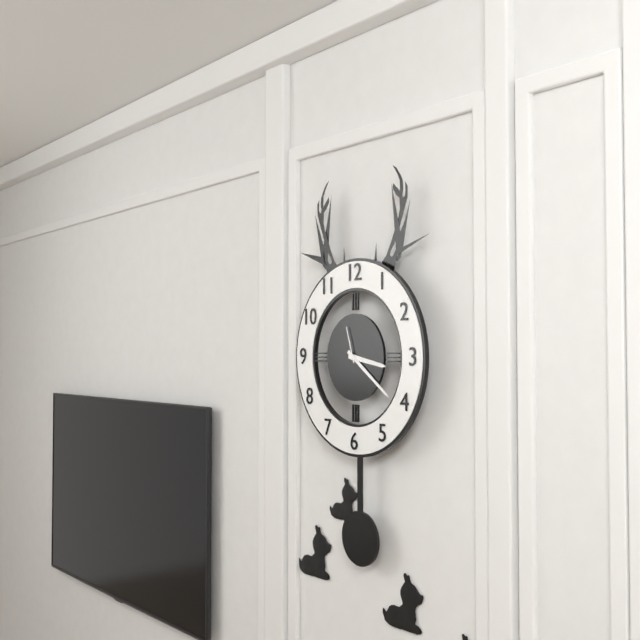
3,21
